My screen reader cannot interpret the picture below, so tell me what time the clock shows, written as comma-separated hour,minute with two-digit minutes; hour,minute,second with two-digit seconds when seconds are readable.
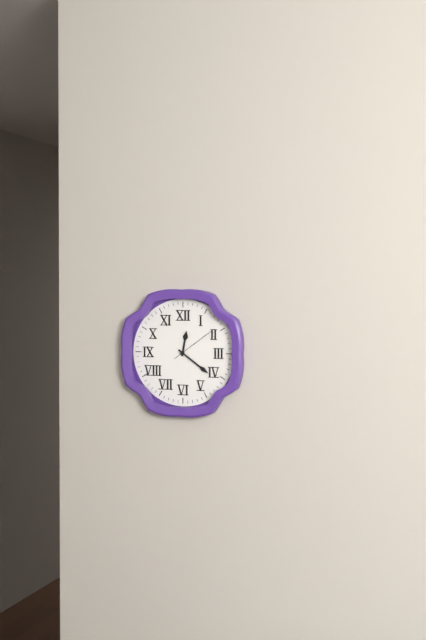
12,21
